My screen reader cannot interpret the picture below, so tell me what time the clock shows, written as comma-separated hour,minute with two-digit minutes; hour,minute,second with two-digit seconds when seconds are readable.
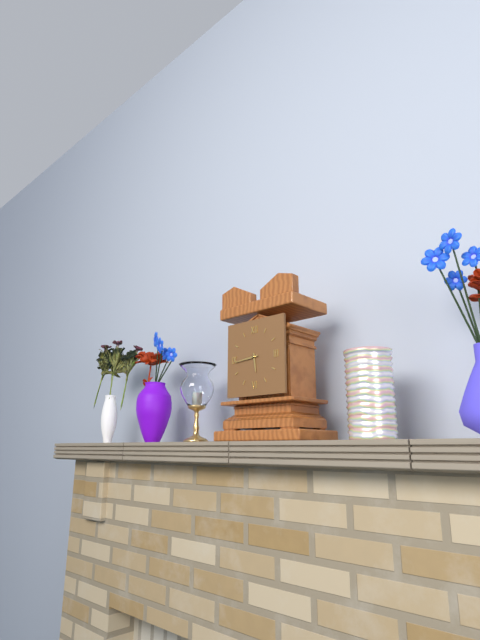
5,44
